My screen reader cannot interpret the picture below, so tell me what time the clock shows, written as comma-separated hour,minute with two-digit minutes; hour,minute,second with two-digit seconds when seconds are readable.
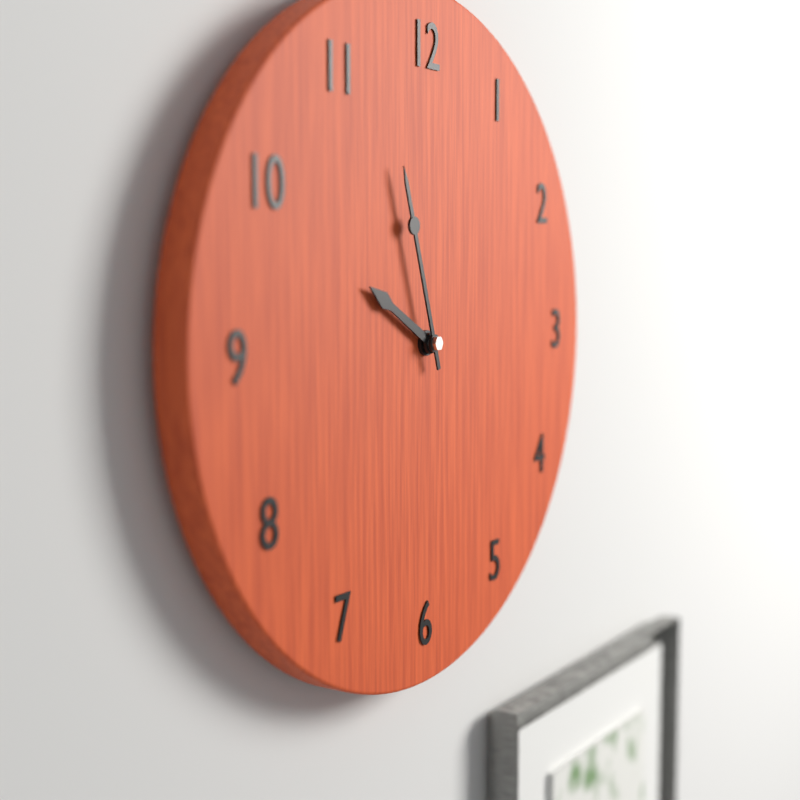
9,57
